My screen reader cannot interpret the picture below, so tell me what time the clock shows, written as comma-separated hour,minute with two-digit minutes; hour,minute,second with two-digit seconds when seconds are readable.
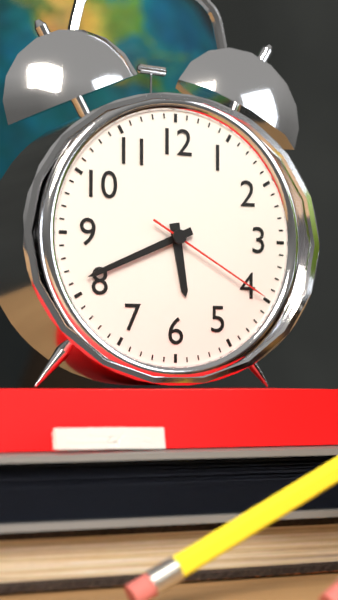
5,41,20
